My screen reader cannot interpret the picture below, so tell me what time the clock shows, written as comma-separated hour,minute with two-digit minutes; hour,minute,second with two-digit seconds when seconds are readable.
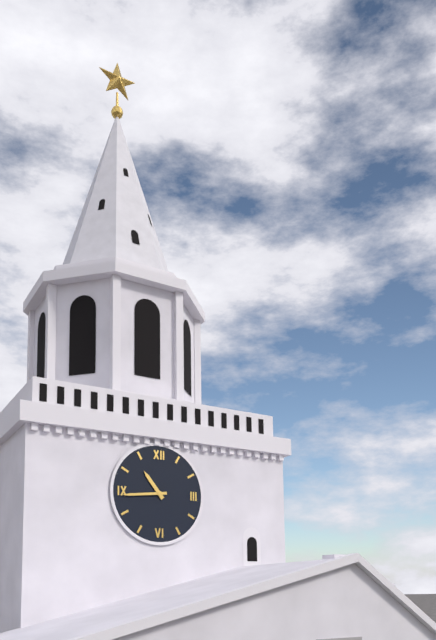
10,44
